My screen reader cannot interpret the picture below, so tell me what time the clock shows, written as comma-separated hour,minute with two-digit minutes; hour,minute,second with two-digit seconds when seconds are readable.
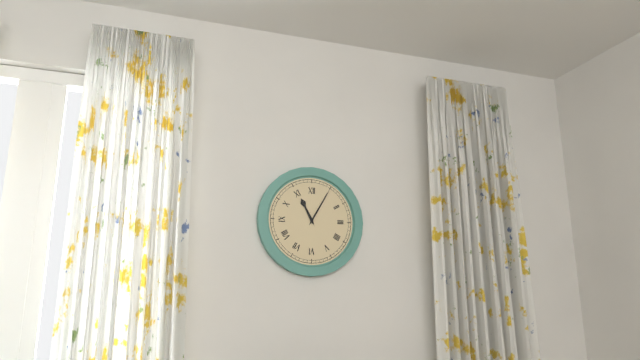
11,05
